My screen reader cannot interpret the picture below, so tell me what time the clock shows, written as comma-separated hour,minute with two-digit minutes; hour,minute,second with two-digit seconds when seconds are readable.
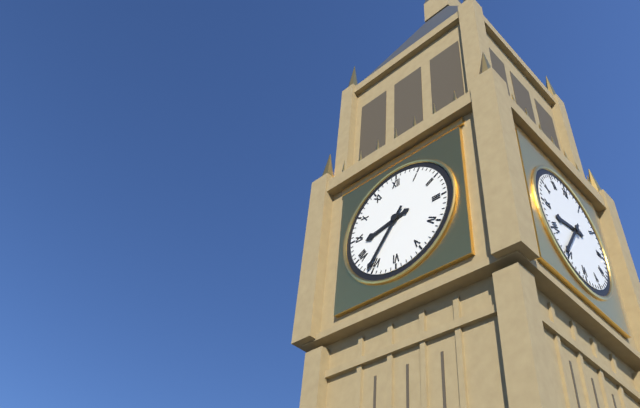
8,36
